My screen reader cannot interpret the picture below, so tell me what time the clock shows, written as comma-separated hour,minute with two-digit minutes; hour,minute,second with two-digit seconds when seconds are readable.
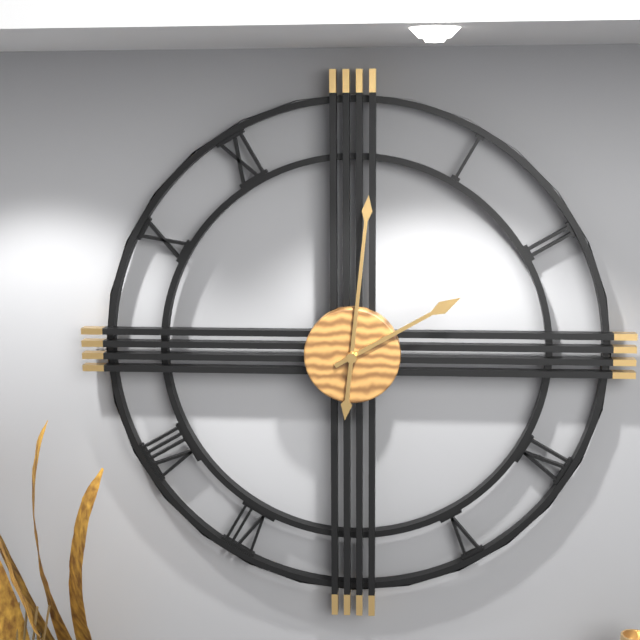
2,01
